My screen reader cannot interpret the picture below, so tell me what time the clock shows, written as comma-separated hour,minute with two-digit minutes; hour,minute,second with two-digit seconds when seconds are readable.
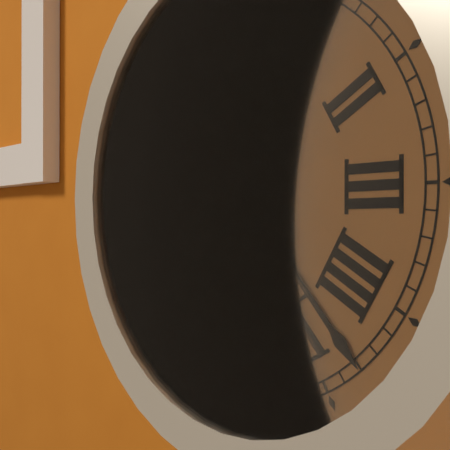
5,23
